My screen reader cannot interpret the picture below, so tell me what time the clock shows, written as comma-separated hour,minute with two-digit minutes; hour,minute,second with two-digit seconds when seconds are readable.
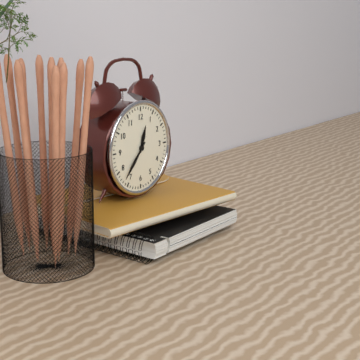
12,37
